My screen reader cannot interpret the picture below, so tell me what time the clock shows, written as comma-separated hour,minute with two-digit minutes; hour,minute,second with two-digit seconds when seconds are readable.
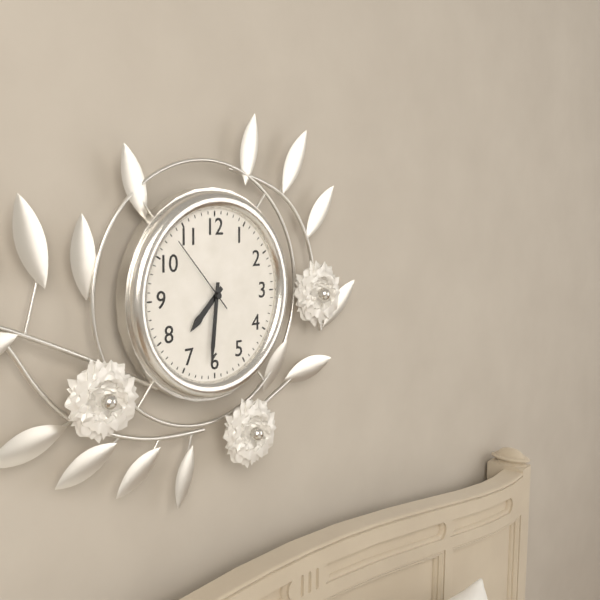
7,31,53
